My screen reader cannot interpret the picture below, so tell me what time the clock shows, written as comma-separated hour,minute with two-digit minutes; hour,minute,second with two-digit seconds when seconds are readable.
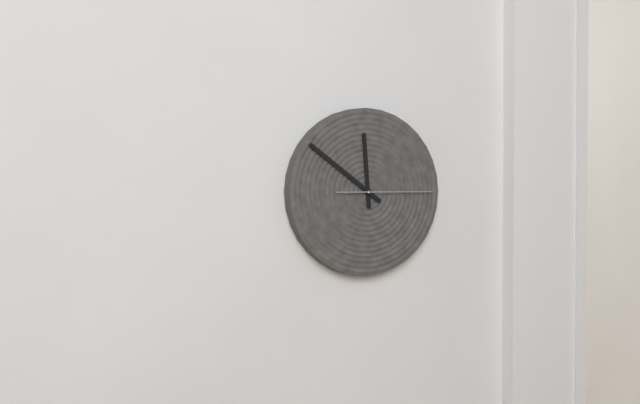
11,51,15
